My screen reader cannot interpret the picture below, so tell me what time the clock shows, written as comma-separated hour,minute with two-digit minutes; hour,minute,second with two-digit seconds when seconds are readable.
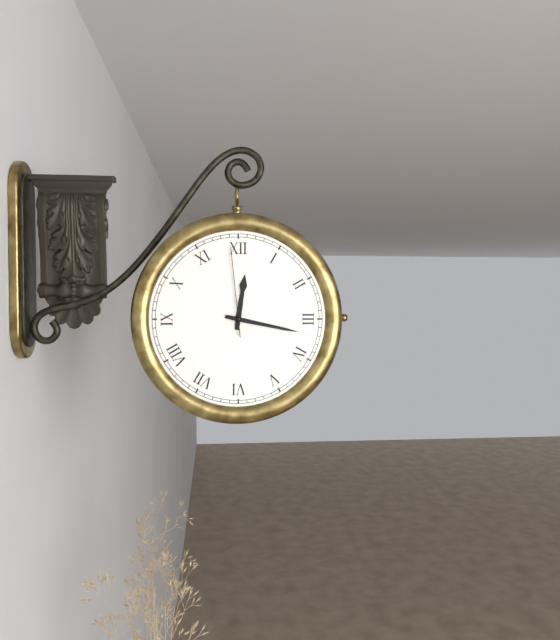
12,17,59
